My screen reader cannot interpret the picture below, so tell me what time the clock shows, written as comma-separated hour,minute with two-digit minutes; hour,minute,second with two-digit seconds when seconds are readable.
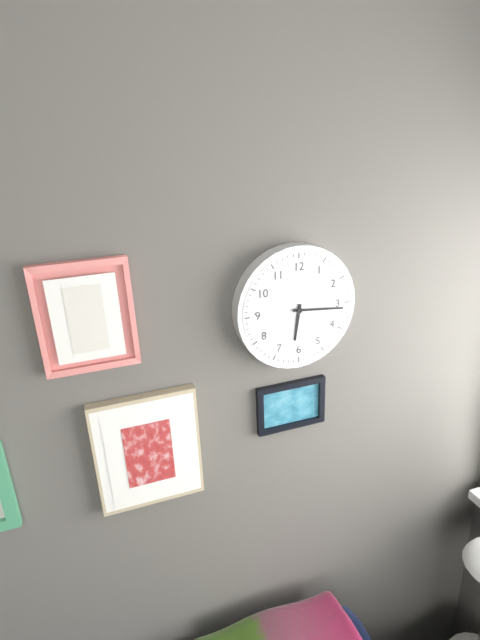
6,16
